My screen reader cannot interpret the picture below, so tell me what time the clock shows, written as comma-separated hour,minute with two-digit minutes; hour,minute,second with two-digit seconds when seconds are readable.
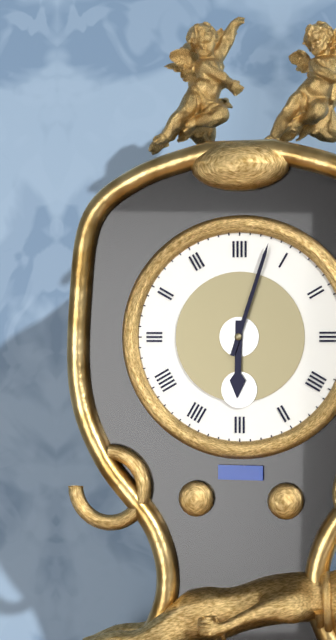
6,03
